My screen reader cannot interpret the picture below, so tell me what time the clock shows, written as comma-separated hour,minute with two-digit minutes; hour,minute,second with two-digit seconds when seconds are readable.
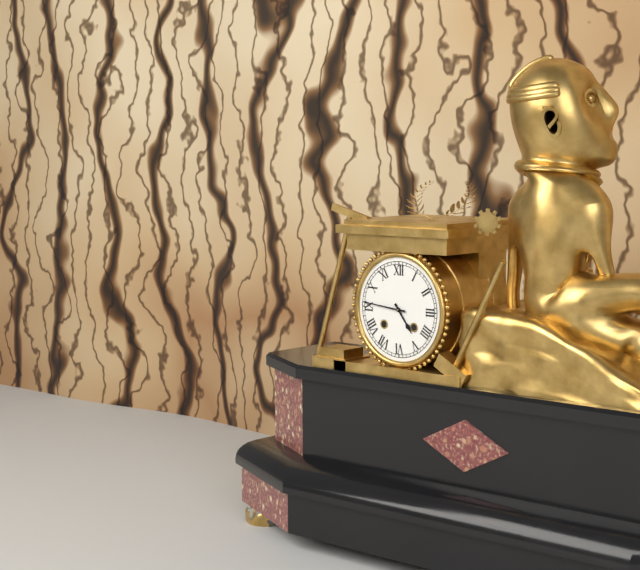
4,46
